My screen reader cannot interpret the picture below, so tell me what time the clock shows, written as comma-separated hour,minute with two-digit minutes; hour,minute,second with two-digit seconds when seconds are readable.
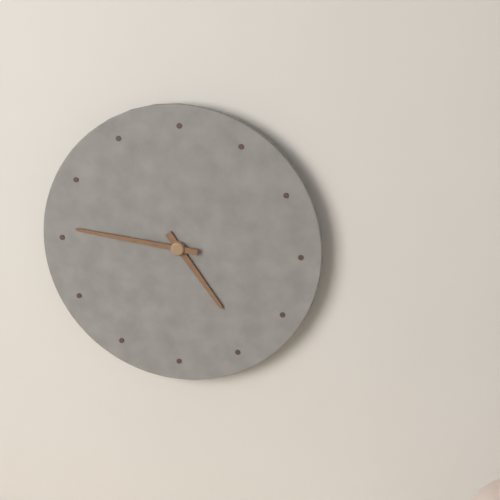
4,46
